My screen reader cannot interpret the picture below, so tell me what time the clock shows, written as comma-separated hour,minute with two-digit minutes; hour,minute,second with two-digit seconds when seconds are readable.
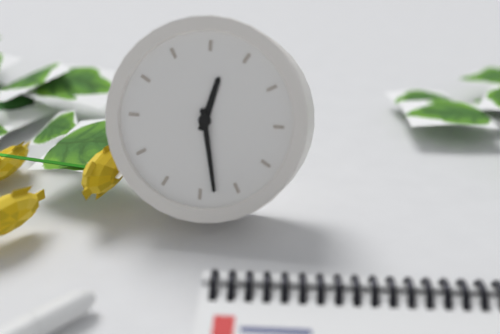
12,28
